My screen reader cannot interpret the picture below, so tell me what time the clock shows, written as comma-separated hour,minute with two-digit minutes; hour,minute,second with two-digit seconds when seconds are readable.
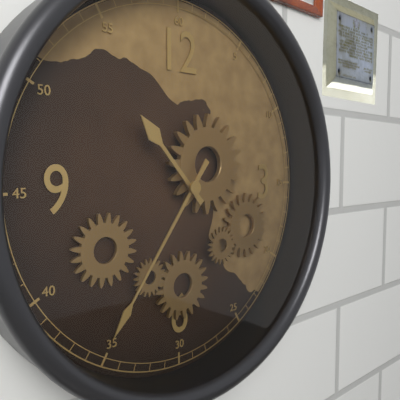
10,36
